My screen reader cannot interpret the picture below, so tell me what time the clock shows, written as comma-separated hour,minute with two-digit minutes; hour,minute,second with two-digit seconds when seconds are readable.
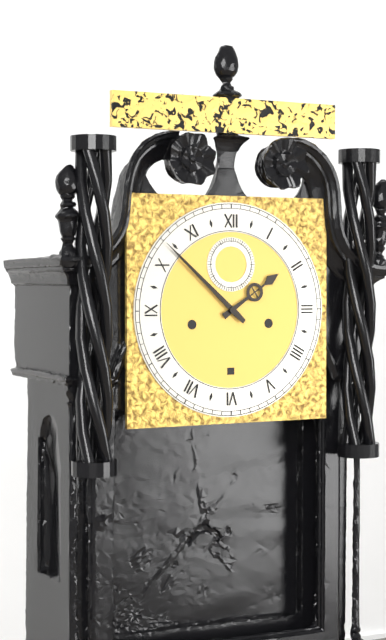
1,52
